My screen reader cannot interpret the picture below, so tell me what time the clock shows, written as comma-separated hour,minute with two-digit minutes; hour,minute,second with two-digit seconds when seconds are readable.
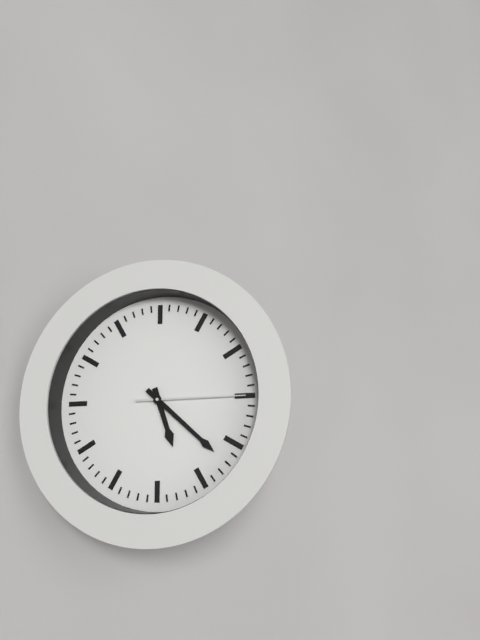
5,22,15
